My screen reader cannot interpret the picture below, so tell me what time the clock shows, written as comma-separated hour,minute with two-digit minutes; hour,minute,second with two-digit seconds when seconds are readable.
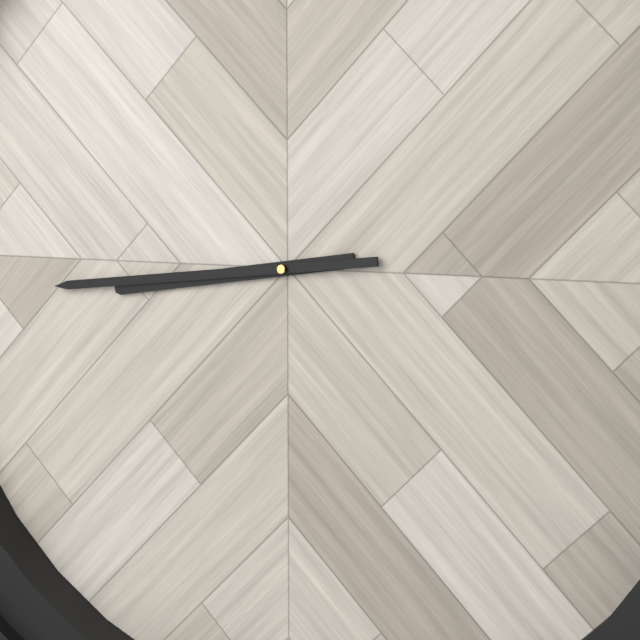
8,44
